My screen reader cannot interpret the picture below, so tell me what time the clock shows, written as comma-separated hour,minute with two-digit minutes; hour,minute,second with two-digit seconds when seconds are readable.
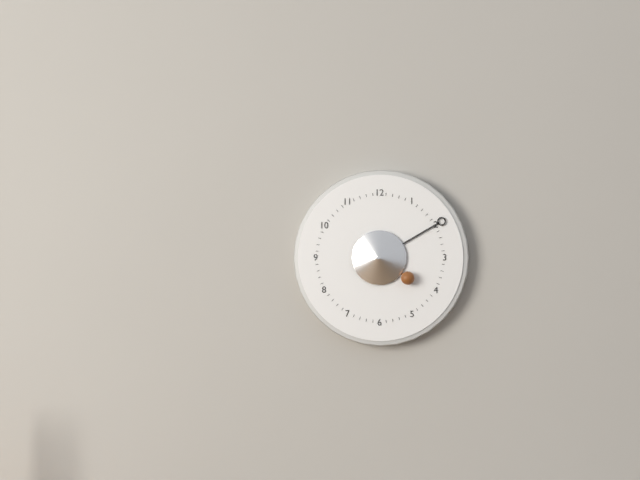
4,10
